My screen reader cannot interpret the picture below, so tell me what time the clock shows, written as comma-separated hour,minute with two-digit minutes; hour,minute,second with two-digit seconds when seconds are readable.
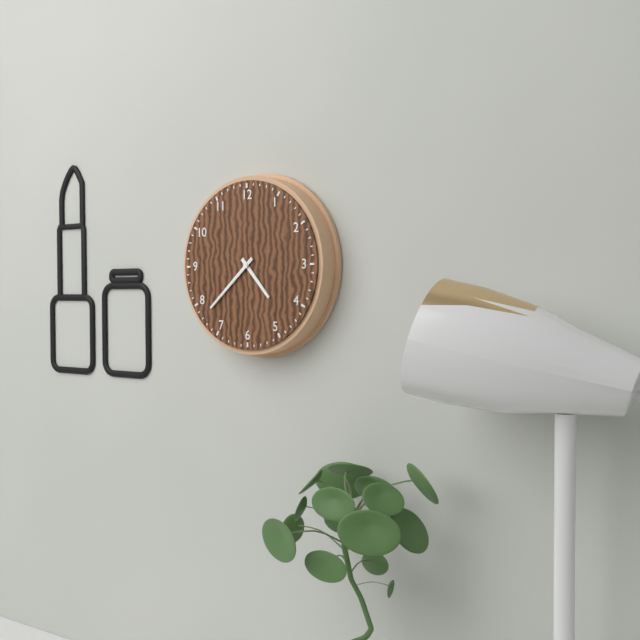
4,38
